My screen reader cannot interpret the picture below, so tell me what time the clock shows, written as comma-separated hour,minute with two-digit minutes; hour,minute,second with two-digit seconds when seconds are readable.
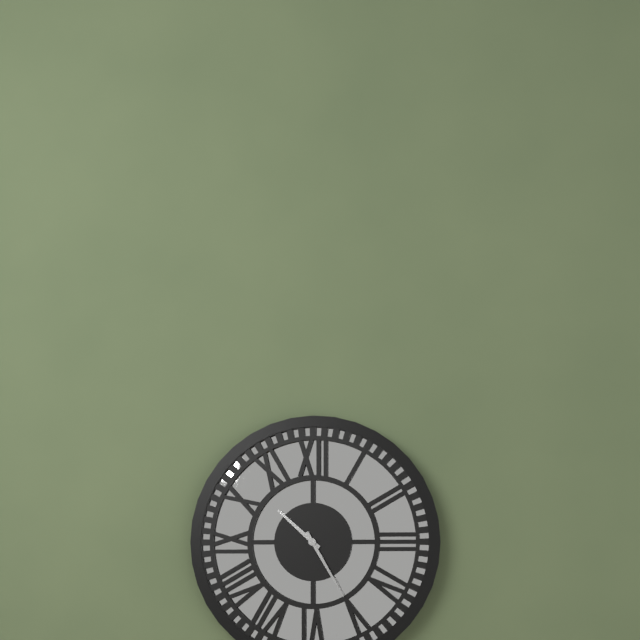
10,25
